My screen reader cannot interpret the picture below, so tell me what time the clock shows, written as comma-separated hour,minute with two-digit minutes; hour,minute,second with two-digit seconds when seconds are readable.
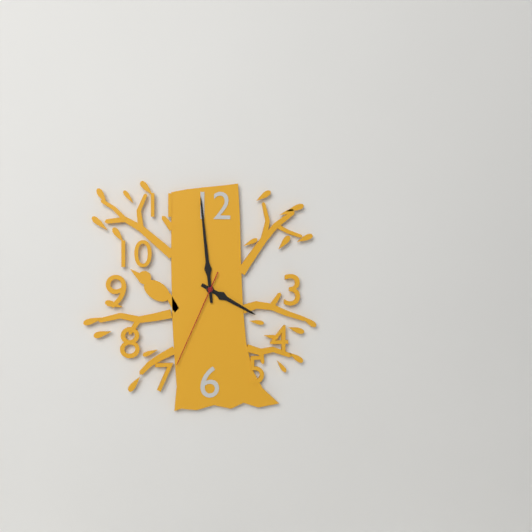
3,59,34
